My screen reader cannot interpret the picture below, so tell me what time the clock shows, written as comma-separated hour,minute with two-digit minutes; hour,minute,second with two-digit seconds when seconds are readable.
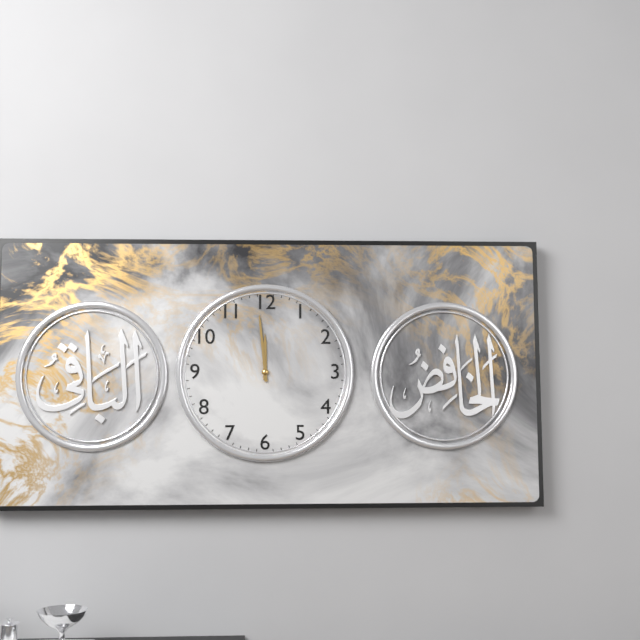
11,59
